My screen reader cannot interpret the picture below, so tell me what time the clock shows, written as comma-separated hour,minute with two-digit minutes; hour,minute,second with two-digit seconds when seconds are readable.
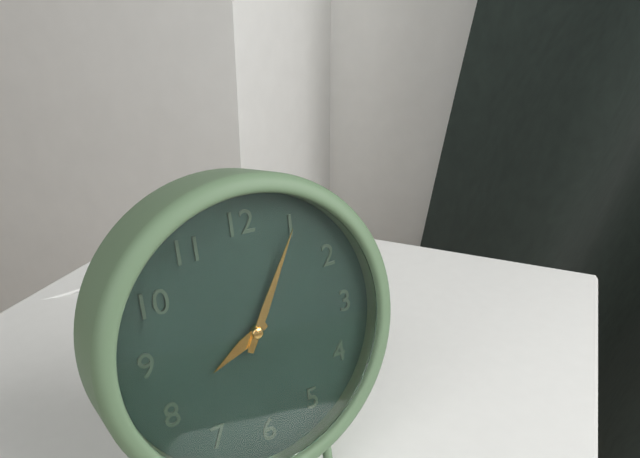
8,05
